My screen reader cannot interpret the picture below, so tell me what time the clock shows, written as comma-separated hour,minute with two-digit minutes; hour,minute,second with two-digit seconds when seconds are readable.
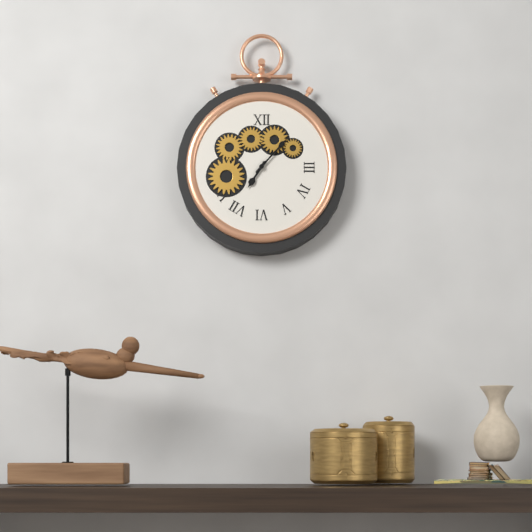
7,07
